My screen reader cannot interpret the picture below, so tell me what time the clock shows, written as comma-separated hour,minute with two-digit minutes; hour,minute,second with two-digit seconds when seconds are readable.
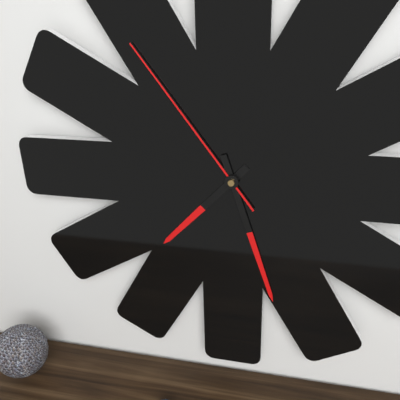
7,27,54
